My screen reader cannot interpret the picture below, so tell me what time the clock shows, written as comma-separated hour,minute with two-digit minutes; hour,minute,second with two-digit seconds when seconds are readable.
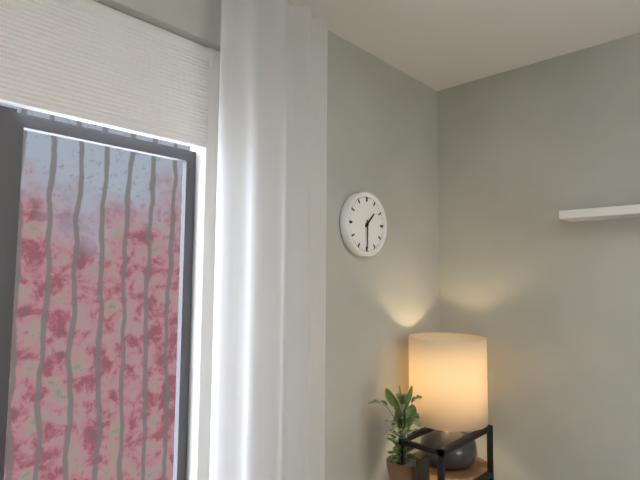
1,30
